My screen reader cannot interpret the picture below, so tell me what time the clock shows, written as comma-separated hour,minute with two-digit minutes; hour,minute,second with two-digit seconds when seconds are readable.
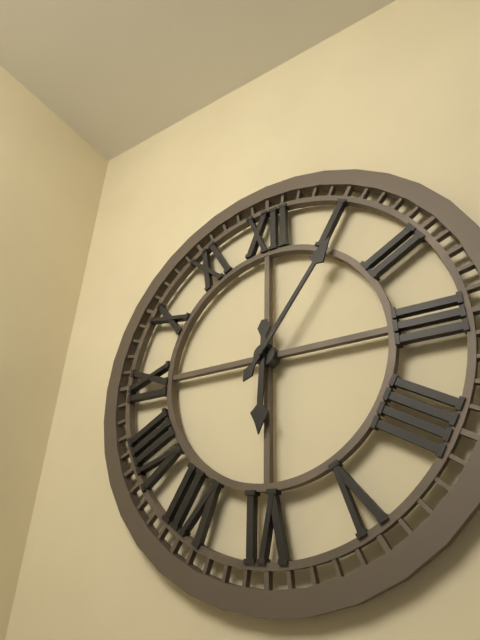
6,06
